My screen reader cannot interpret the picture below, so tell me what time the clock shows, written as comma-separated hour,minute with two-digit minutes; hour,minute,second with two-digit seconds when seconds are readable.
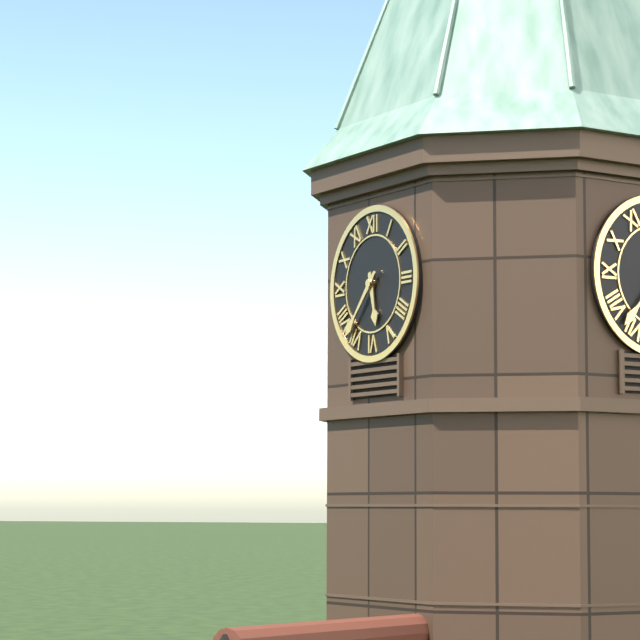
5,37
